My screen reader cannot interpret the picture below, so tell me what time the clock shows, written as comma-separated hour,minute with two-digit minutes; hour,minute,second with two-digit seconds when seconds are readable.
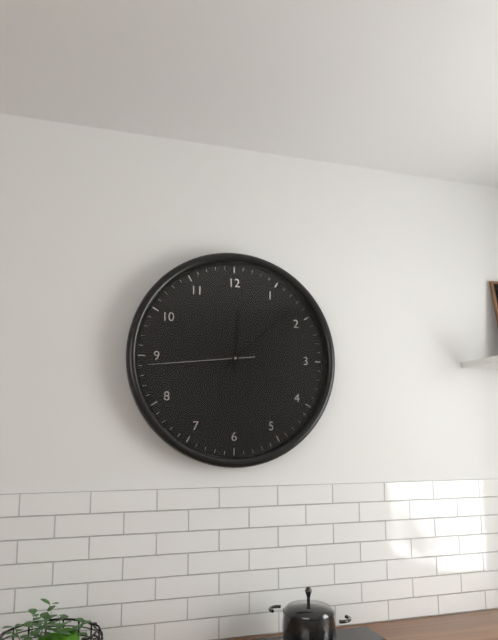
12,08,44
